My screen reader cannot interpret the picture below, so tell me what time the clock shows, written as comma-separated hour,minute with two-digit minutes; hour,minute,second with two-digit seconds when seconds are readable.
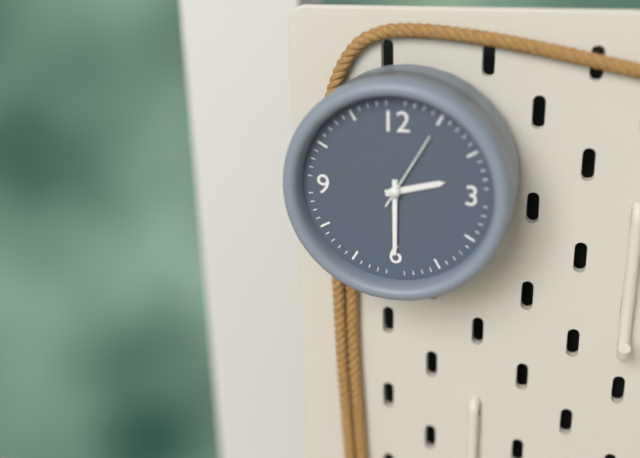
2,30,05
